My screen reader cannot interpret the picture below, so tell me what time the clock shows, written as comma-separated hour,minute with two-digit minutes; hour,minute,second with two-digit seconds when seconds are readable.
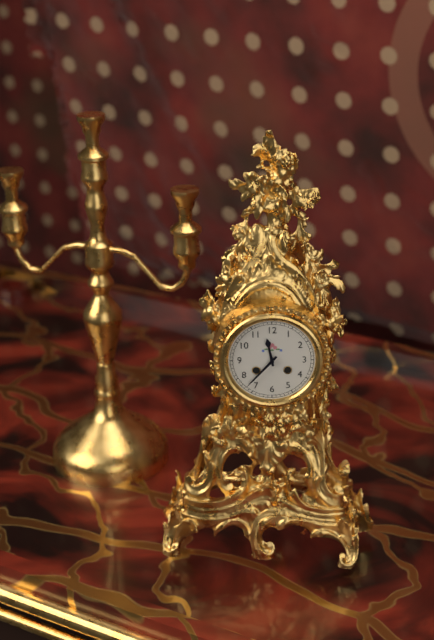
11,37
